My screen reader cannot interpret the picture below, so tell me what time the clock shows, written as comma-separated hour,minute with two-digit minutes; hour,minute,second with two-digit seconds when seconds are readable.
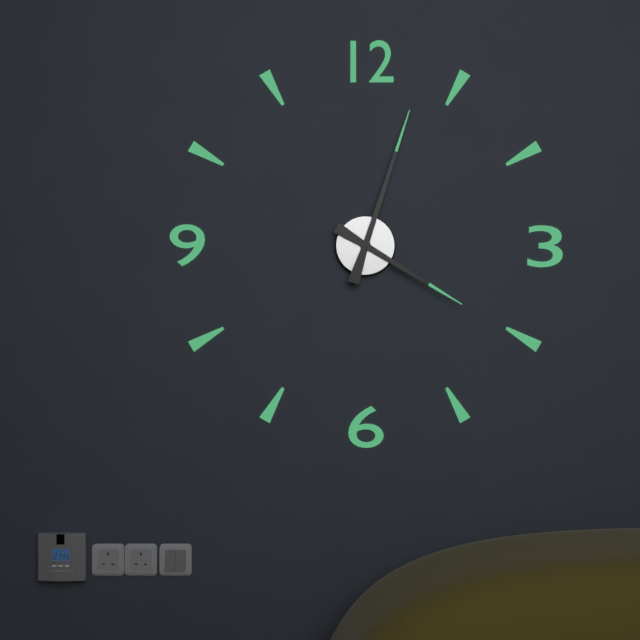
4,03
